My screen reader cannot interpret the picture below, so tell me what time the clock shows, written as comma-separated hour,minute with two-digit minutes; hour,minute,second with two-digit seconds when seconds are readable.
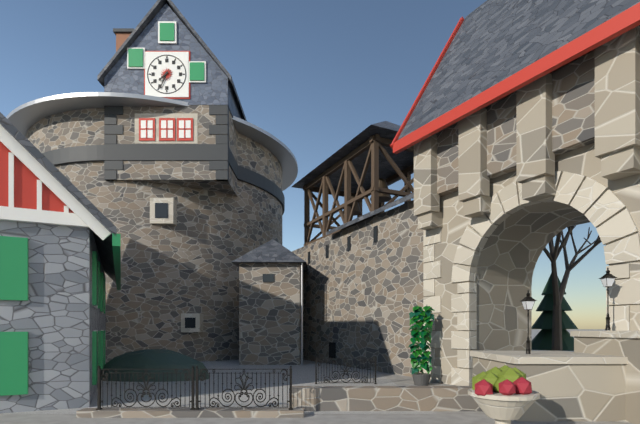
7,34
